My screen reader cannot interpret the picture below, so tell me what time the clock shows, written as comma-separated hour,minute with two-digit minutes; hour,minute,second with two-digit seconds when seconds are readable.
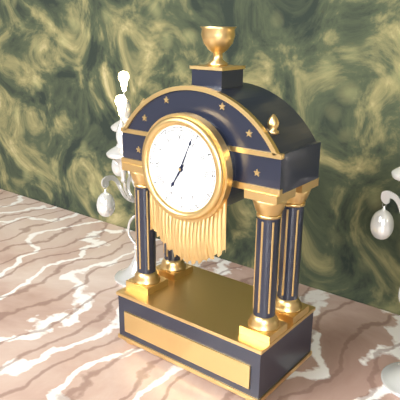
7,04
